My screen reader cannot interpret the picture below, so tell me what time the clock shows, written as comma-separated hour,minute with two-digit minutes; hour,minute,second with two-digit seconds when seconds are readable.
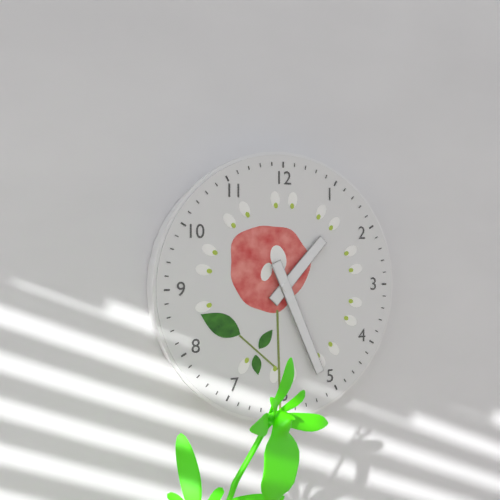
1,26
